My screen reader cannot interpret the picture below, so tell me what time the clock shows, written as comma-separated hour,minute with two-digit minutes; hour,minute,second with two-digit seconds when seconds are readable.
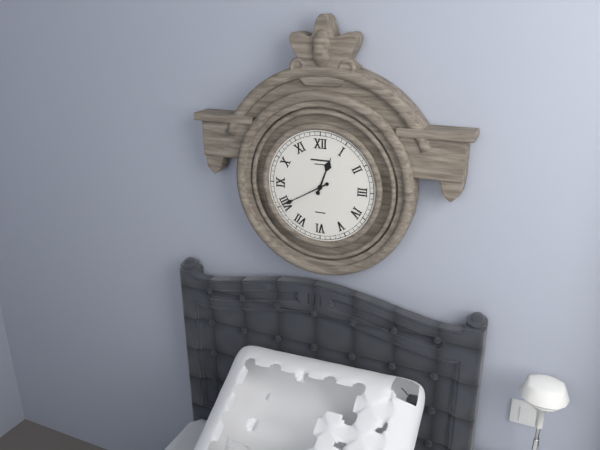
12,40
